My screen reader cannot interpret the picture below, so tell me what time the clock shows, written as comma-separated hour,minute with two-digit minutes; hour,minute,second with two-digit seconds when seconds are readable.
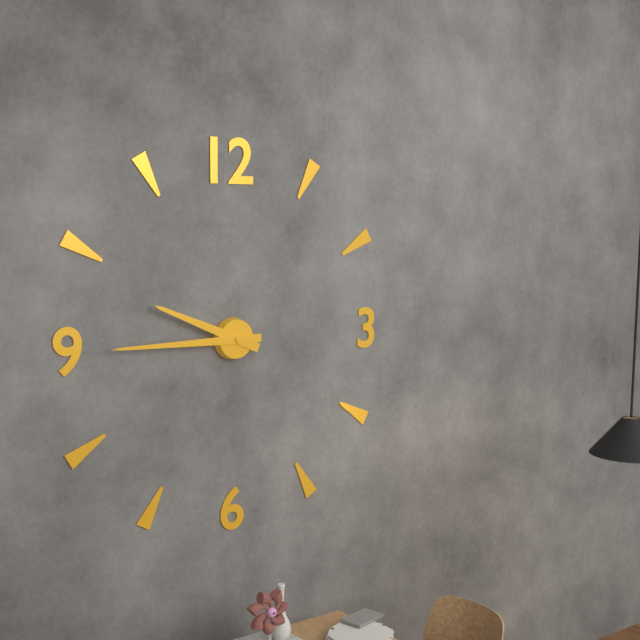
9,45
